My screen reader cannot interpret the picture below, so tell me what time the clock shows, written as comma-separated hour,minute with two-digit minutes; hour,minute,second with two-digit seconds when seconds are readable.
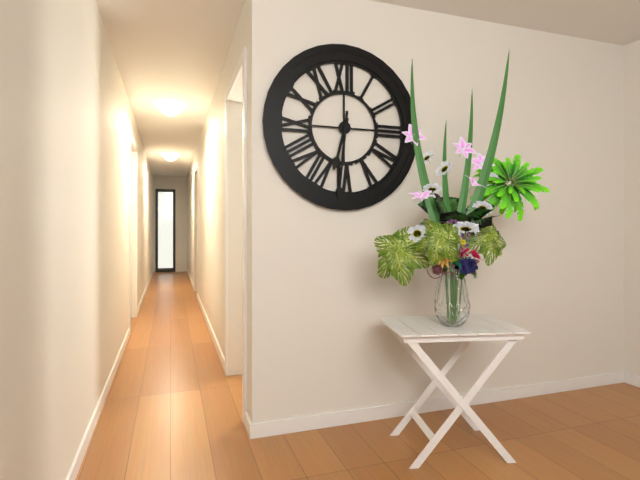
6,31
